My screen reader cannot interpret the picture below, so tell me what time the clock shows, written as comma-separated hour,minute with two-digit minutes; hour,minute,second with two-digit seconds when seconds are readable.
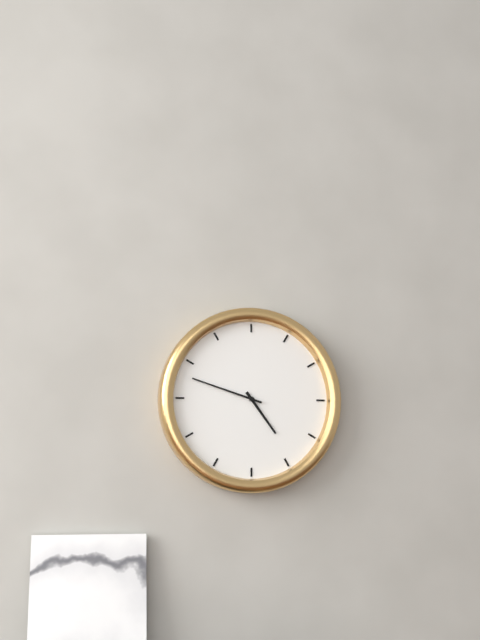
4,48
